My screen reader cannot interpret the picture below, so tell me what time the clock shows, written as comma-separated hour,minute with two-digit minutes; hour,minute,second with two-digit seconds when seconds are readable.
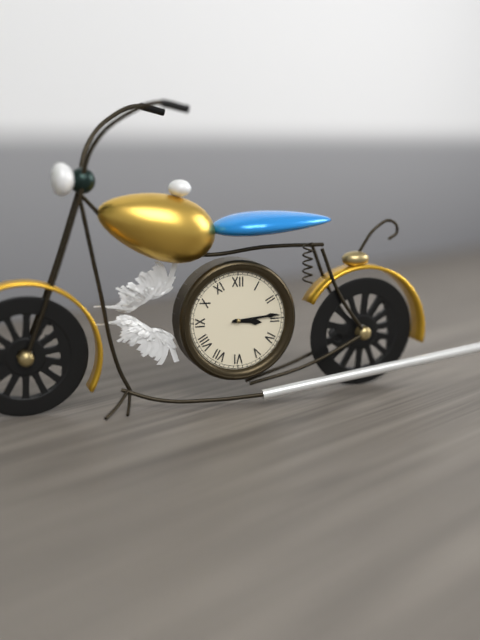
3,14
